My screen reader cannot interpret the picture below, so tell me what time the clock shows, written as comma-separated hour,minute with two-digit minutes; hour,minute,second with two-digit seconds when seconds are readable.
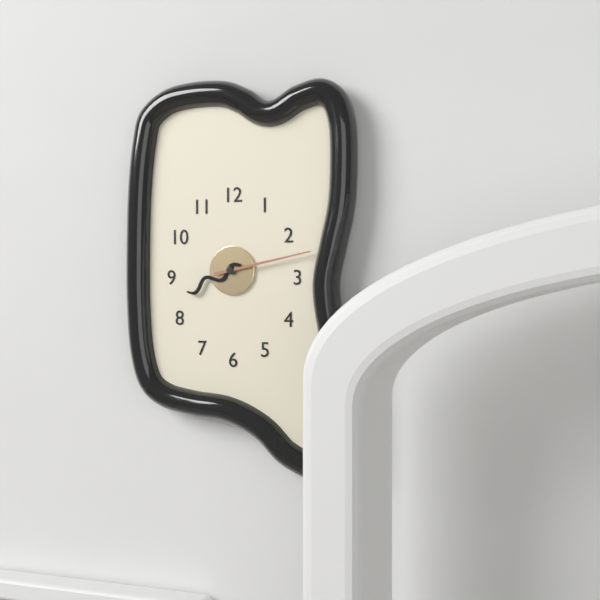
8,13
